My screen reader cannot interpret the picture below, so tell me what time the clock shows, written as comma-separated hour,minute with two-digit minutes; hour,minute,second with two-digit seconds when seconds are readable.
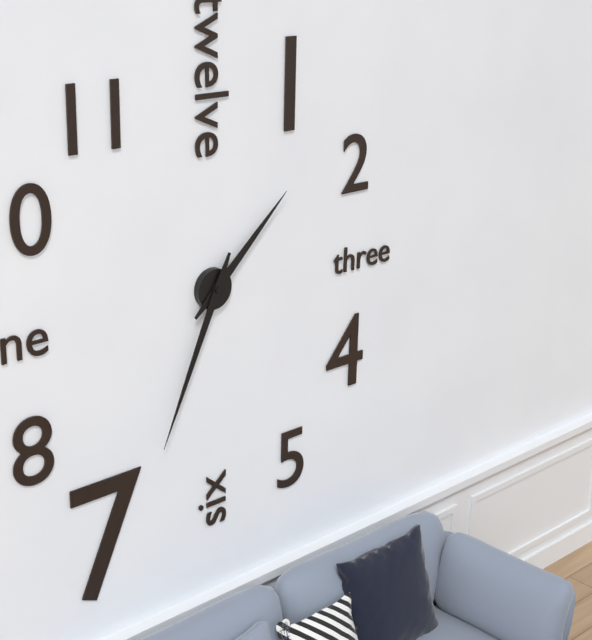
1,34
